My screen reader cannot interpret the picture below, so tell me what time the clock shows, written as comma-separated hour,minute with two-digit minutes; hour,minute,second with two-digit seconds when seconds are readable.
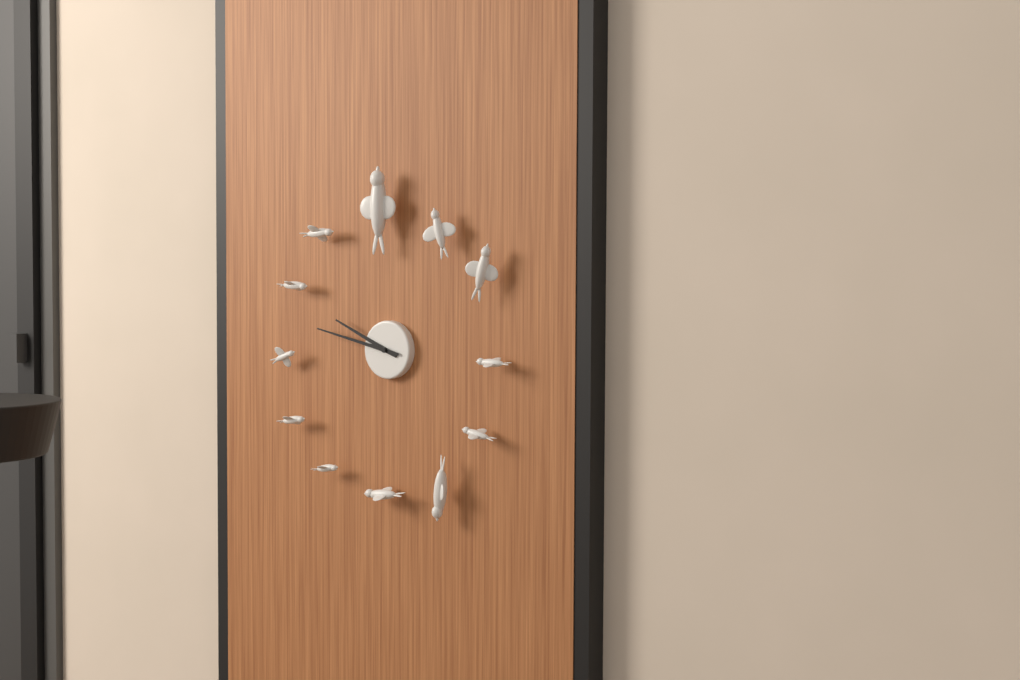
9,47
